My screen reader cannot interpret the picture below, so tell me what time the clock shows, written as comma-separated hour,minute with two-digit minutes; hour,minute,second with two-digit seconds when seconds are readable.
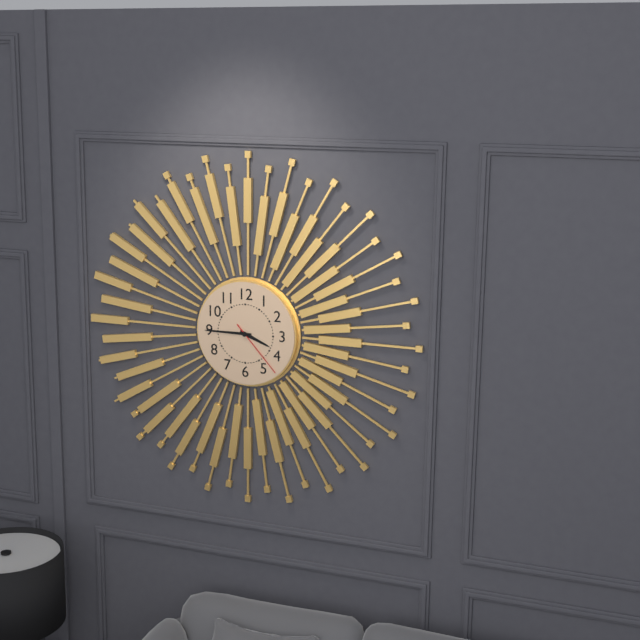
3,45,23
